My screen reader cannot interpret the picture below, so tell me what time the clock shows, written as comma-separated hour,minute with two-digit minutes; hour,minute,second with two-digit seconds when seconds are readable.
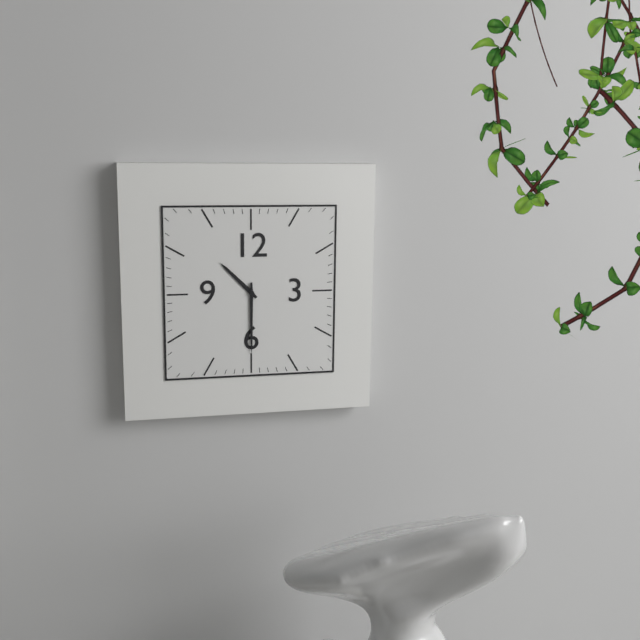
10,30
